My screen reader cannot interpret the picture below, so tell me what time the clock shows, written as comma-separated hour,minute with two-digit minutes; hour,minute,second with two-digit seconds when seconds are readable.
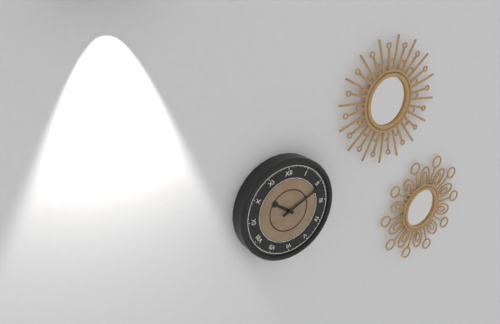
10,11
